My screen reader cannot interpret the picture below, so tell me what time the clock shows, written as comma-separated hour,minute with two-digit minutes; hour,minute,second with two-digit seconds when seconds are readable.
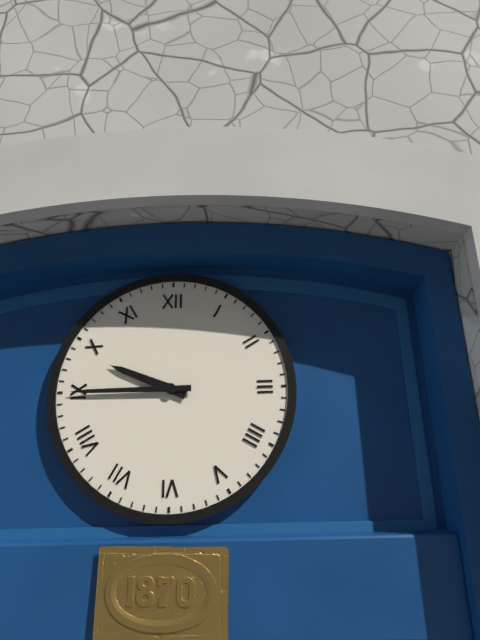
9,45
